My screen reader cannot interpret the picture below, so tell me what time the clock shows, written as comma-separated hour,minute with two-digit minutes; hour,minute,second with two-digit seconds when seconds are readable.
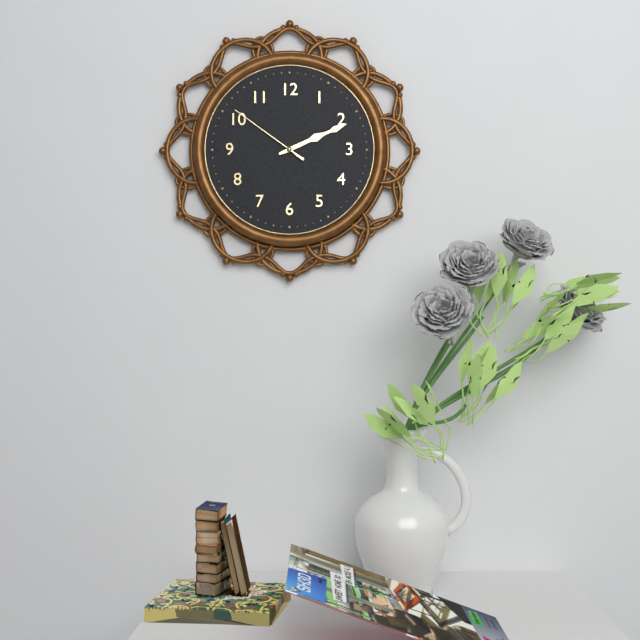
2,11,51
